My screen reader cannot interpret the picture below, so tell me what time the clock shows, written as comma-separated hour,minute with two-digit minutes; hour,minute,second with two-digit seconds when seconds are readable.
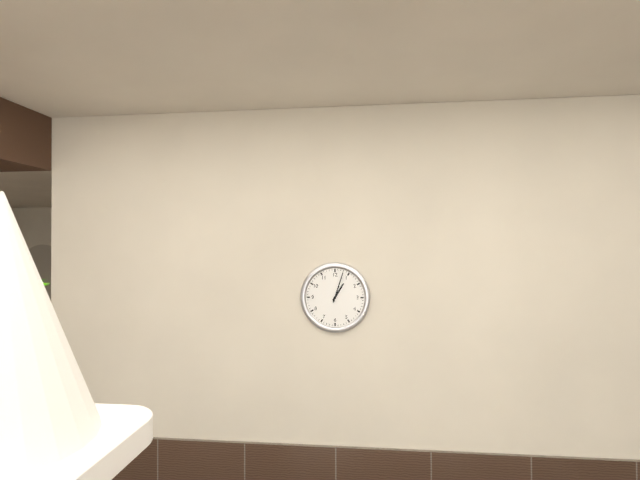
1,03
